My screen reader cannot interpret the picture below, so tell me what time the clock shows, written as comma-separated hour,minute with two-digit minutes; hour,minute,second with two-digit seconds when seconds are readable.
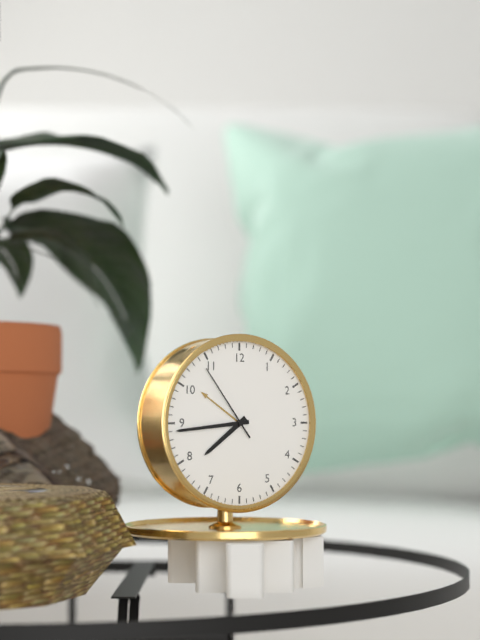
7,44,54
